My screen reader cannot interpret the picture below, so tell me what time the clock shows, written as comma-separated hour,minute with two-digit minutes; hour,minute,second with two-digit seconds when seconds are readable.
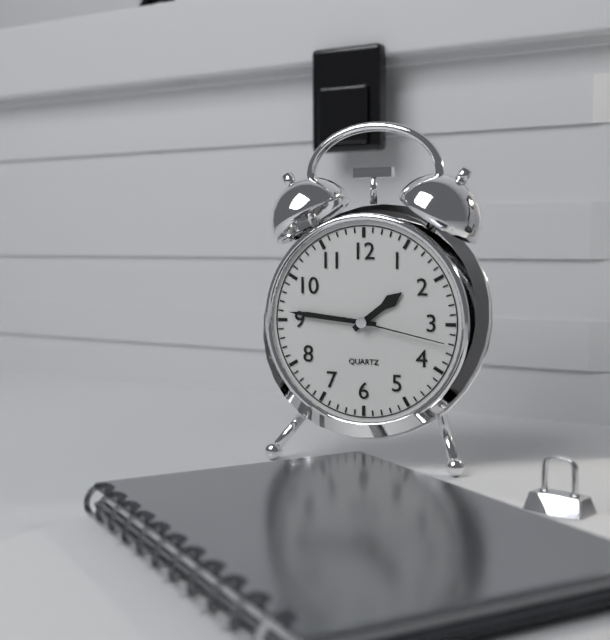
1,46,17
